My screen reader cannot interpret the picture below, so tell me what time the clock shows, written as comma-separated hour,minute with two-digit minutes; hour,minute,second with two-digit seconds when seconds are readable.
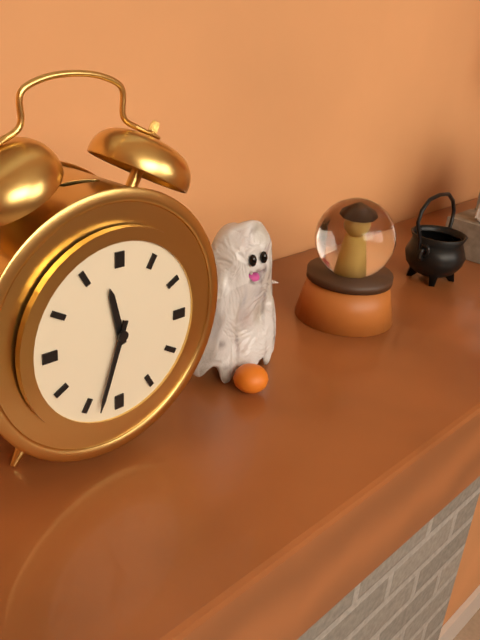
11,33
